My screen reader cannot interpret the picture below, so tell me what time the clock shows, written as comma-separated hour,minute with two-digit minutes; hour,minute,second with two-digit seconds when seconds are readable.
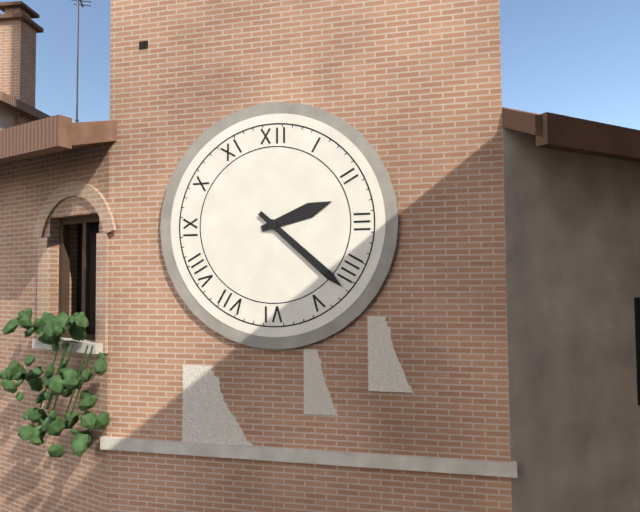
2,22
